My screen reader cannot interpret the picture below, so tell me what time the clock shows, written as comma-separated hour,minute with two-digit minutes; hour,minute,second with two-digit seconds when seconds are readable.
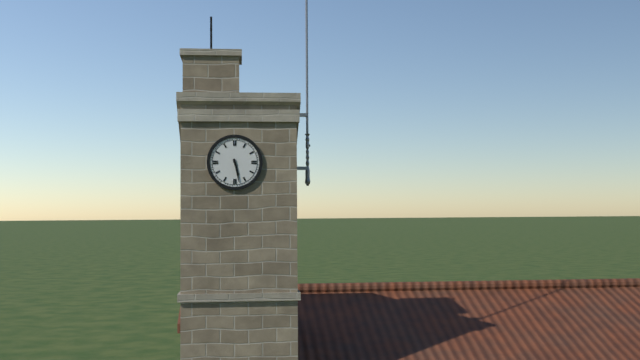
5,28
